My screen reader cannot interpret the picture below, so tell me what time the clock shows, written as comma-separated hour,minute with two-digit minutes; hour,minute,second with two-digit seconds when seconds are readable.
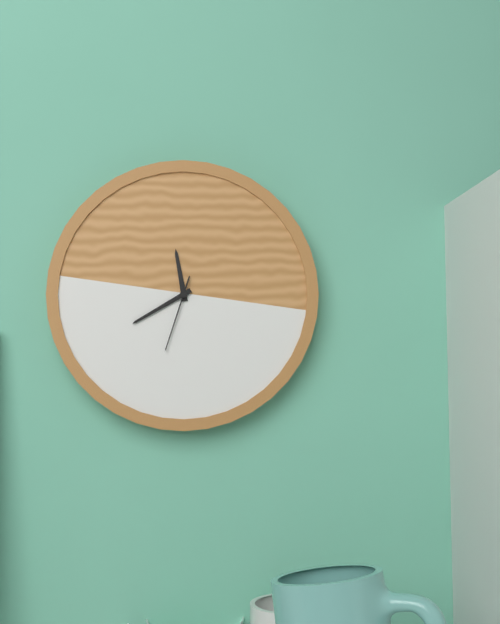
11,40,33
